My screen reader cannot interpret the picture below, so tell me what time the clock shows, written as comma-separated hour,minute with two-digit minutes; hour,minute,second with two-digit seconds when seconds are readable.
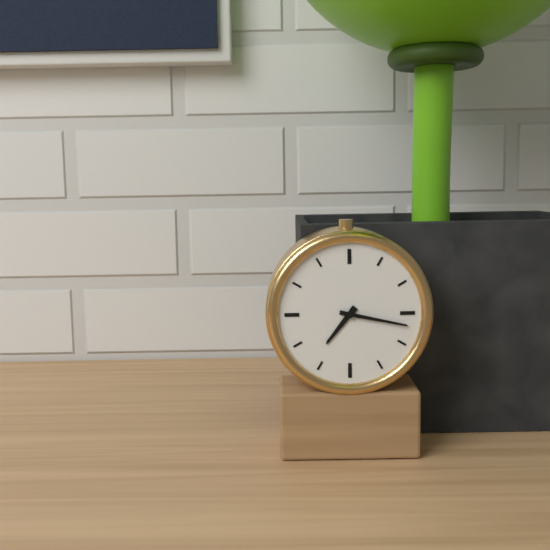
7,17
